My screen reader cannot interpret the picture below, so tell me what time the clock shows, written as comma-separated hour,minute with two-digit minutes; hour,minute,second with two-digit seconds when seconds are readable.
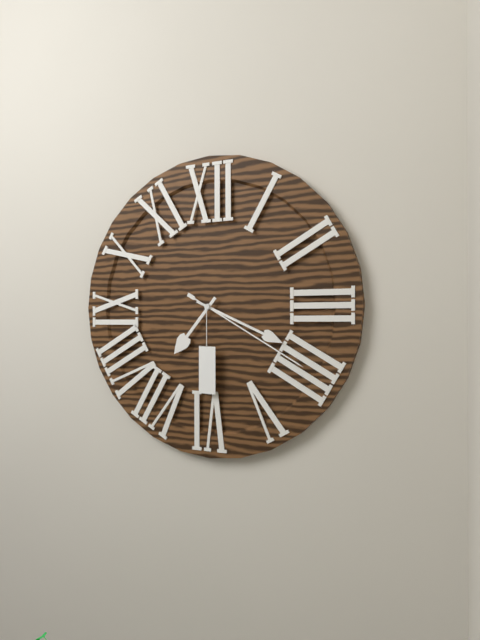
7,19,20
